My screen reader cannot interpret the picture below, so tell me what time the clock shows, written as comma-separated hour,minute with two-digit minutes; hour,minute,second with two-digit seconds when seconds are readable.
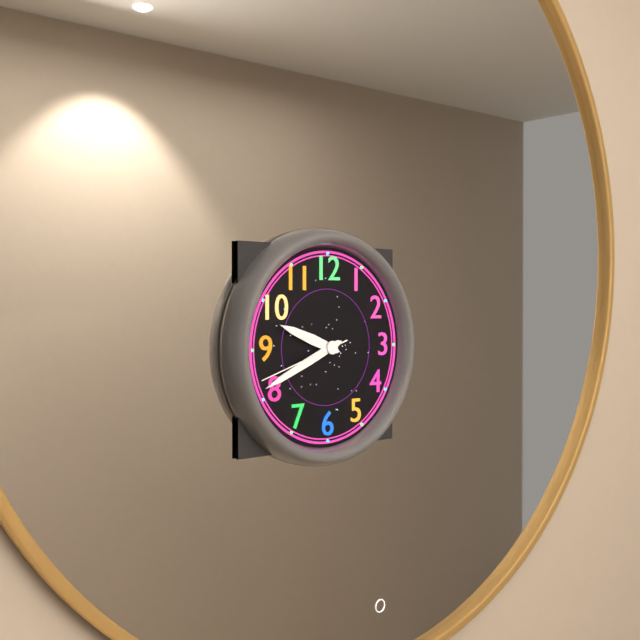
9,41,42
